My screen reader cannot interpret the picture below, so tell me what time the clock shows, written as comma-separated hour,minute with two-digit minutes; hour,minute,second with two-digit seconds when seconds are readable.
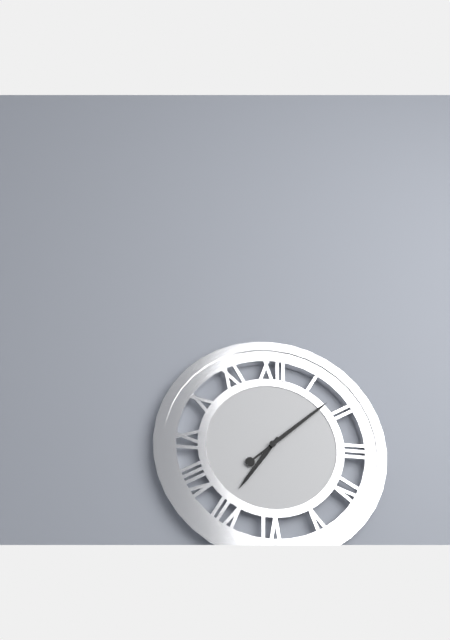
7,08
